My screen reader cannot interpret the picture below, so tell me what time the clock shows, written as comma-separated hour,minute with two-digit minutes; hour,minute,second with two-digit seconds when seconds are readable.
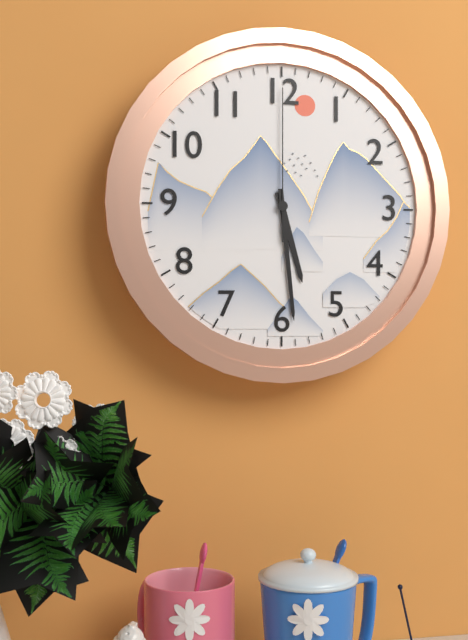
5,29,00
